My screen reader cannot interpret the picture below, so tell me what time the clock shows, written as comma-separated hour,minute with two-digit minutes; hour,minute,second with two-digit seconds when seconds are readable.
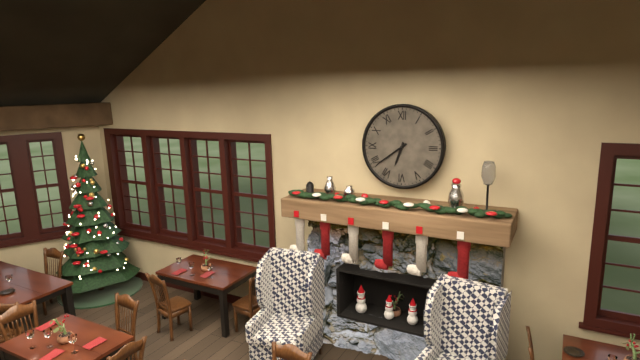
6,39
